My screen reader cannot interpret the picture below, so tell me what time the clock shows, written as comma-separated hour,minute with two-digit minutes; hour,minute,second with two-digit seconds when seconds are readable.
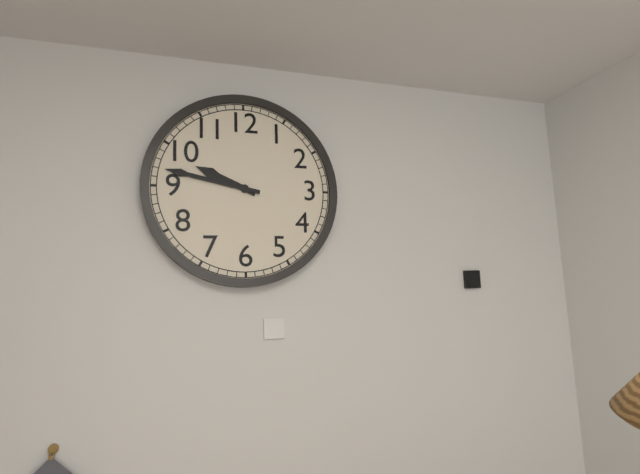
9,47
